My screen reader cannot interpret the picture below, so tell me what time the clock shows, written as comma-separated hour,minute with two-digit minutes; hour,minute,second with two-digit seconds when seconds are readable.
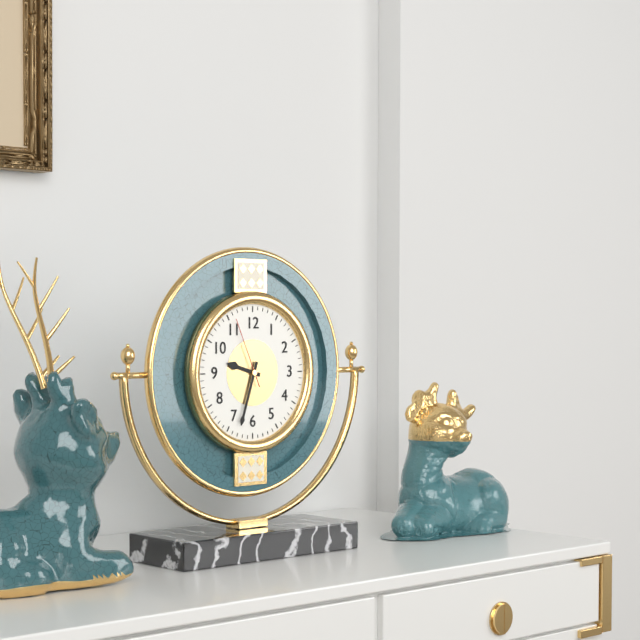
9,33,56
